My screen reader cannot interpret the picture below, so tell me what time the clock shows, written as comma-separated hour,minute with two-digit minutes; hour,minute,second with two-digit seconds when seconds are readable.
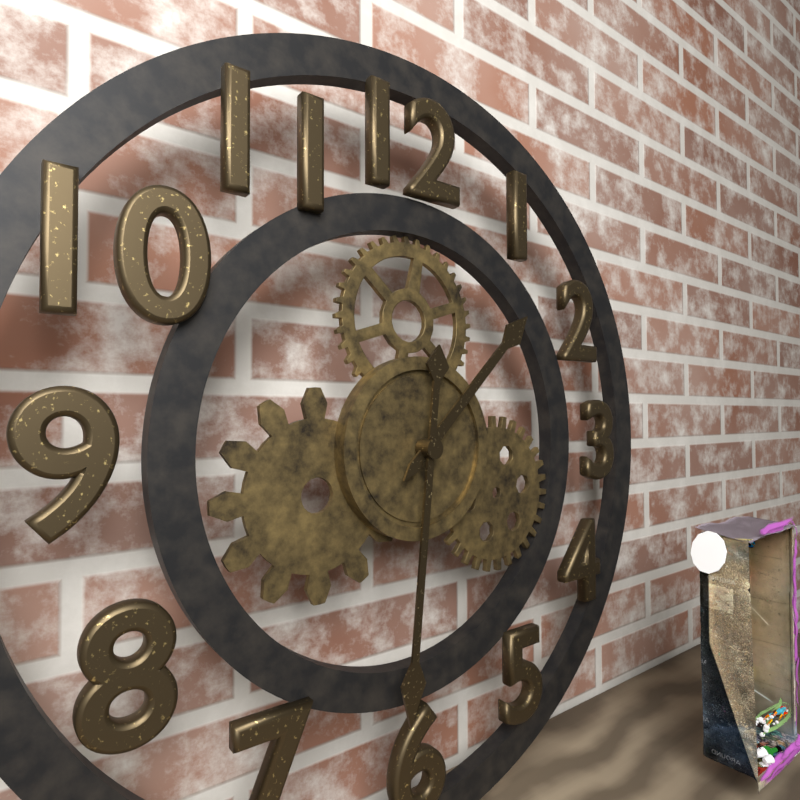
1,31
